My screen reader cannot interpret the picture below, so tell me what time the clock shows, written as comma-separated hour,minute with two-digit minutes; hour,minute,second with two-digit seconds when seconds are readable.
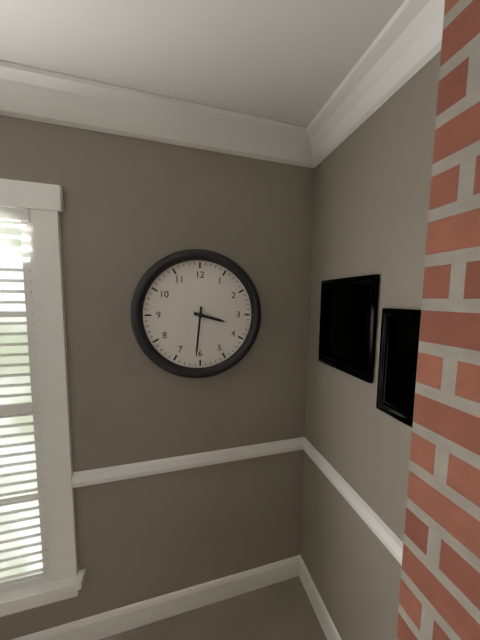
3,31
